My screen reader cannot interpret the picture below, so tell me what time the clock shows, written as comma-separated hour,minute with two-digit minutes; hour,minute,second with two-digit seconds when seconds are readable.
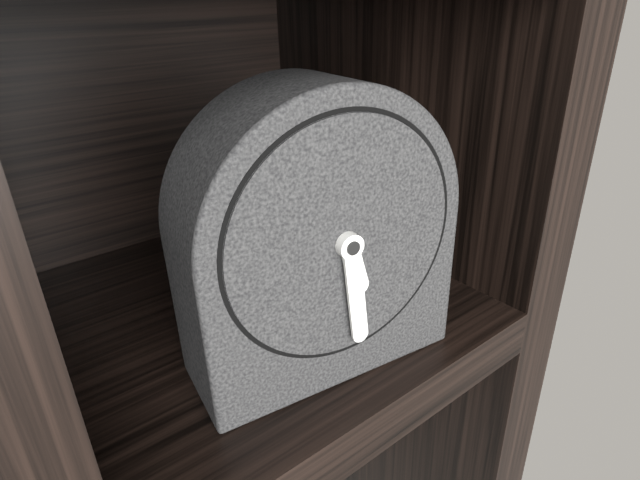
5,29
